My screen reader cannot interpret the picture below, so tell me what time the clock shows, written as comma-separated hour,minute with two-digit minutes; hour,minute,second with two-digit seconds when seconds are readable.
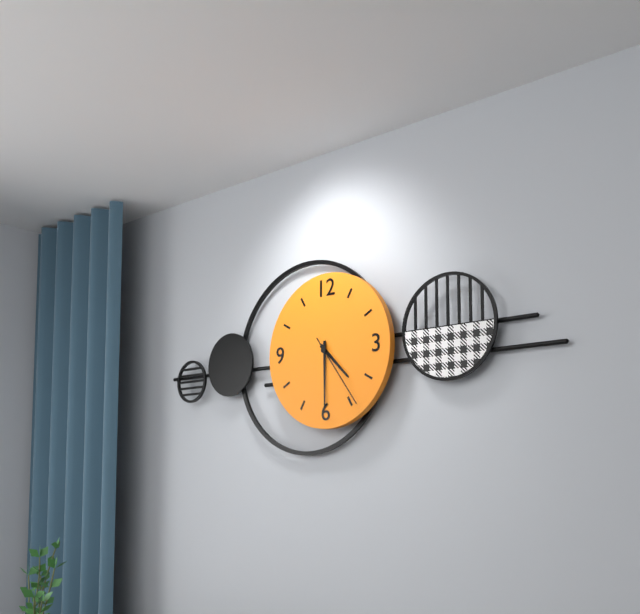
4,30,24
